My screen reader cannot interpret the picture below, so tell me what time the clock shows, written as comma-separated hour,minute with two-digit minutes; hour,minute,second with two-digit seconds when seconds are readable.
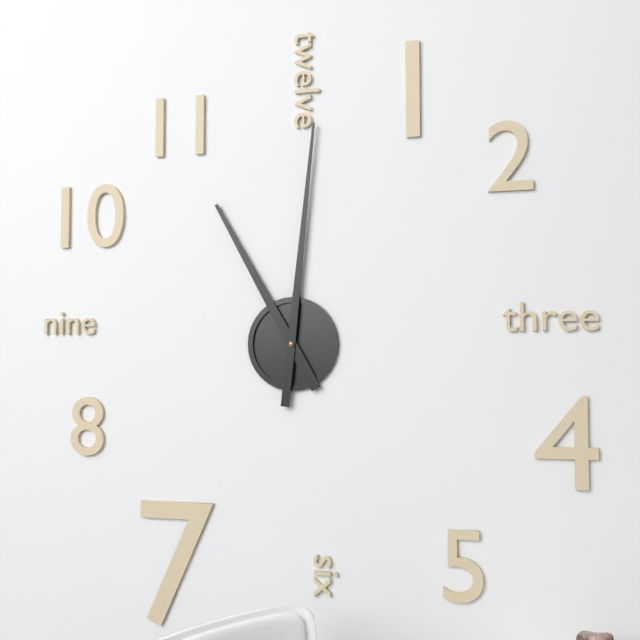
11,01
